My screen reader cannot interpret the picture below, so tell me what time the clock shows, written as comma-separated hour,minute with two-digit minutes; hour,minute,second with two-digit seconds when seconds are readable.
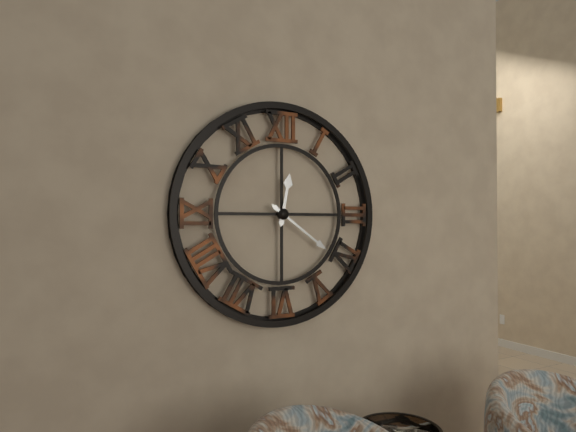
12,21
